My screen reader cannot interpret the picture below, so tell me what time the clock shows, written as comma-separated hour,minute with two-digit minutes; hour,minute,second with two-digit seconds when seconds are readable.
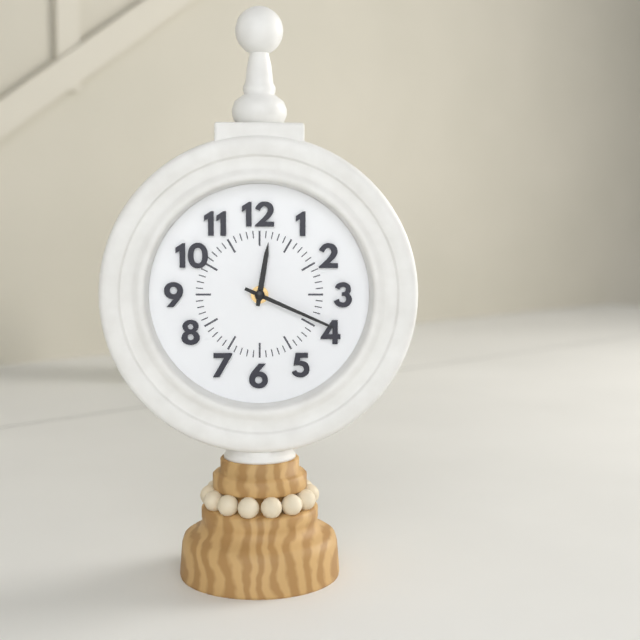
12,19
